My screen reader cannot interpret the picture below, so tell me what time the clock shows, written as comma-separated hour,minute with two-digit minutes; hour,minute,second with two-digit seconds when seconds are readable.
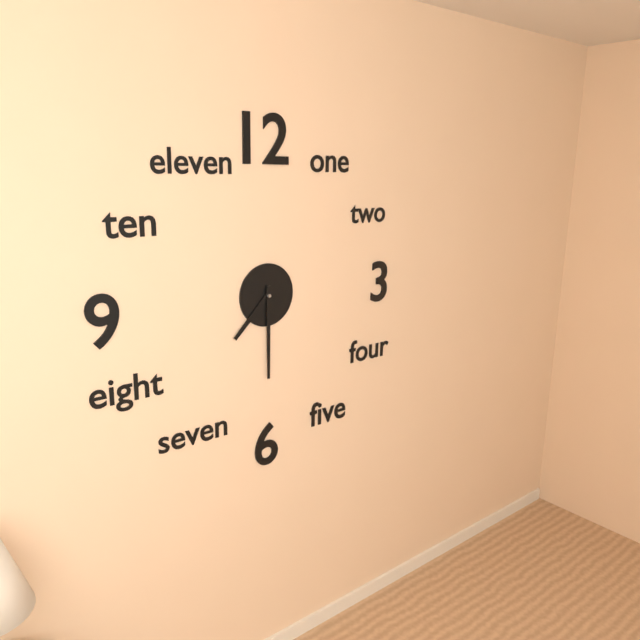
7,30
